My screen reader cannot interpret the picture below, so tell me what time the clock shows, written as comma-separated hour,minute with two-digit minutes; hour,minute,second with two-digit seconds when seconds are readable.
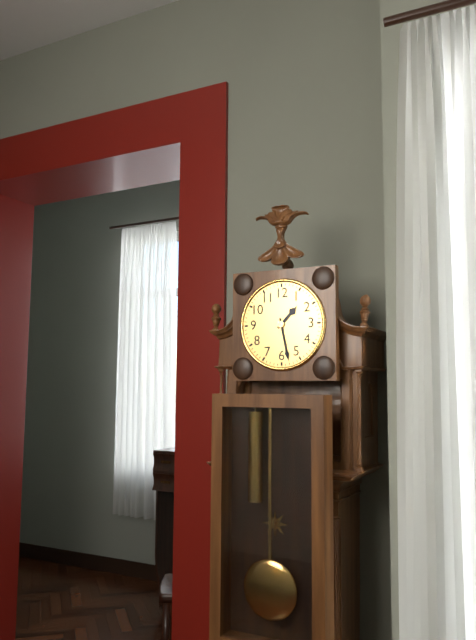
1,28
